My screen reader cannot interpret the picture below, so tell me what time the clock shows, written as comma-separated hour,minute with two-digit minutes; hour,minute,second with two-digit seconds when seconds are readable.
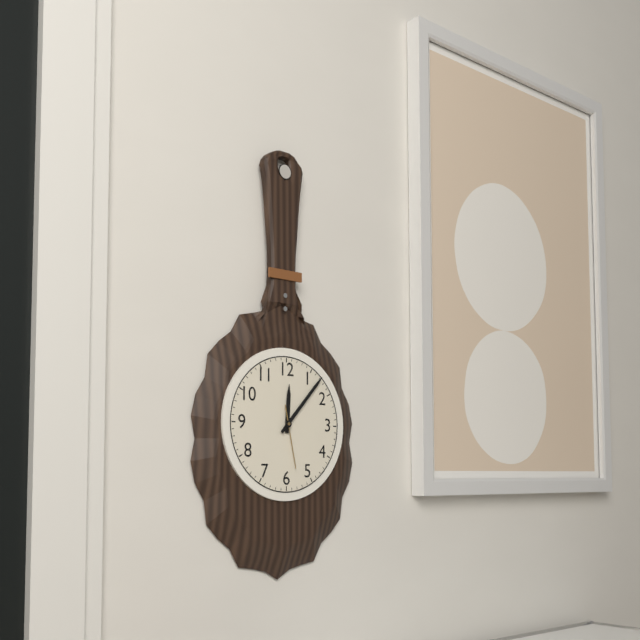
12,07,28
